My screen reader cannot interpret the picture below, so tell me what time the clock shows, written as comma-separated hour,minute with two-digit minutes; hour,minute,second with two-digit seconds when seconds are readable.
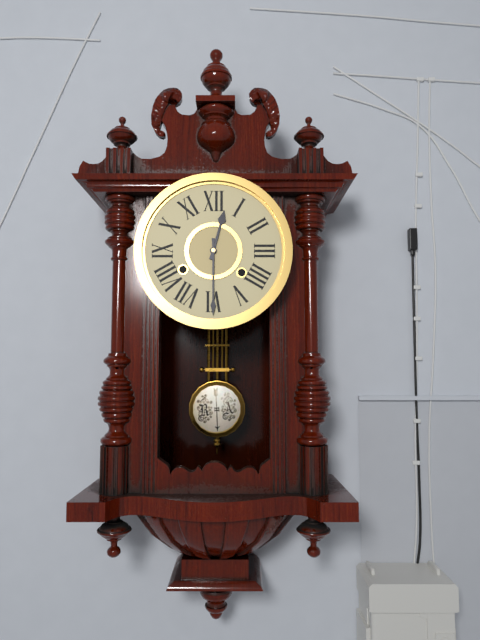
12,30
